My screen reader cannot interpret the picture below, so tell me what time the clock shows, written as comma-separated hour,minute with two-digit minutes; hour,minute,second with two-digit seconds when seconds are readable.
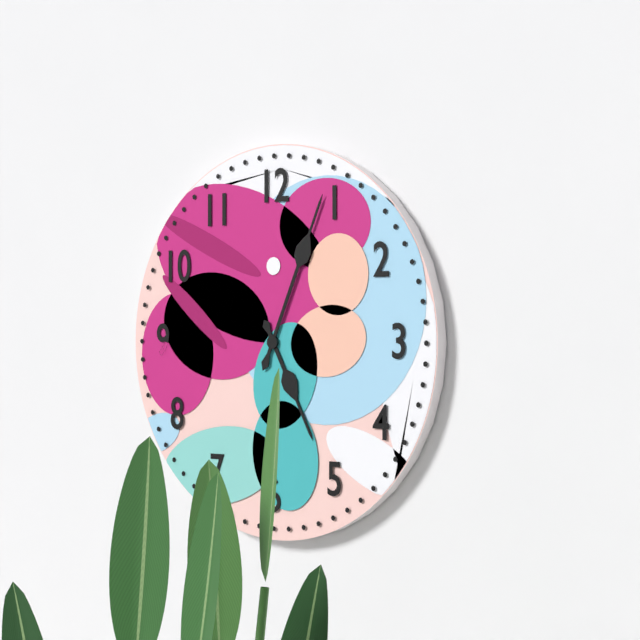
5,04
